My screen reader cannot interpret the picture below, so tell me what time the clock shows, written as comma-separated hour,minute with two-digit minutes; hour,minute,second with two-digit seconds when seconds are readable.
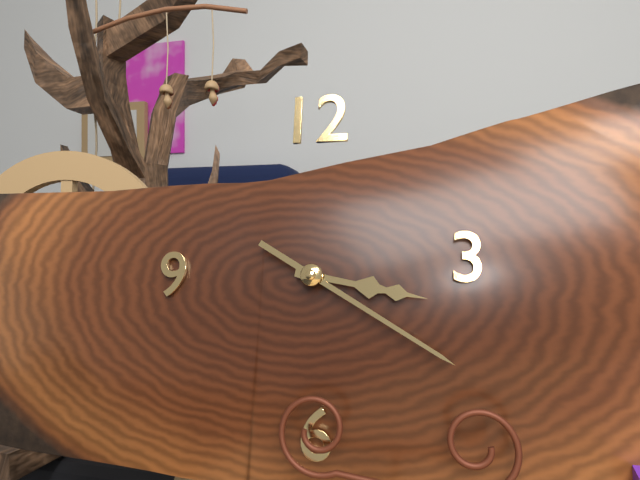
3,20
